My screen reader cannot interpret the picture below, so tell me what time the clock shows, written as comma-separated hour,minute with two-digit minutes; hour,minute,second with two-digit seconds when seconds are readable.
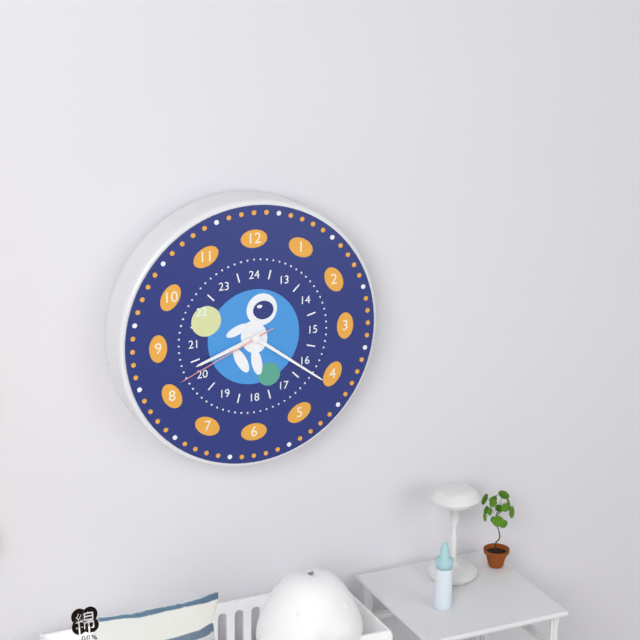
8,21,41
